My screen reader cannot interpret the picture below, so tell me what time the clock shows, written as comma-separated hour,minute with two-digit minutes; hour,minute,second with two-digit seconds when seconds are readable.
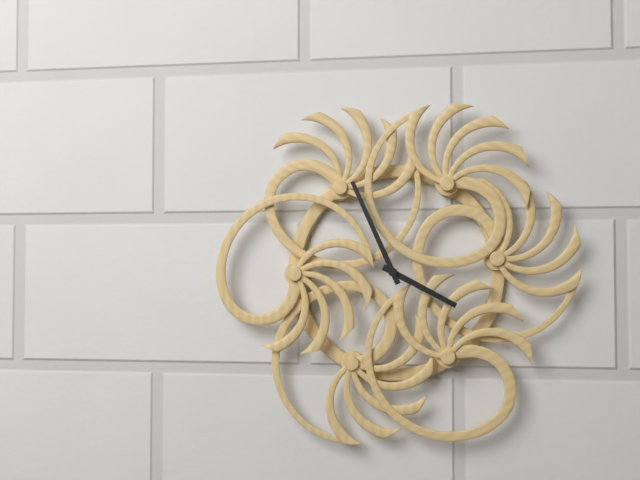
3,56
